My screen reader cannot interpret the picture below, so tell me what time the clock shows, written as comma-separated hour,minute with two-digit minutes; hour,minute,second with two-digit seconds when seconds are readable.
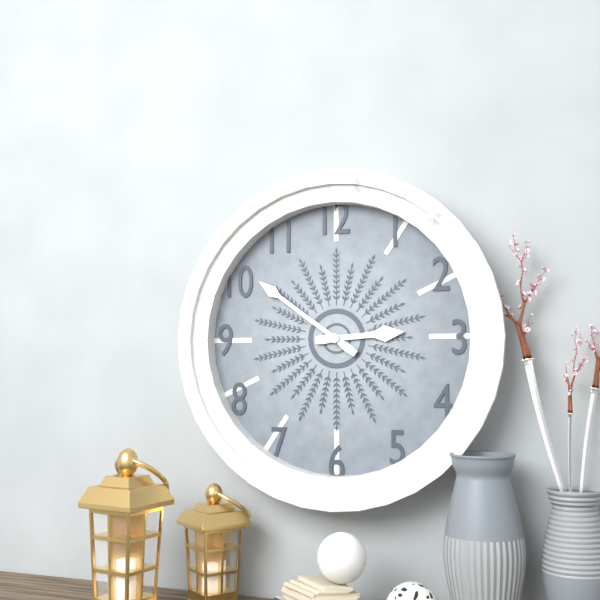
2,51
